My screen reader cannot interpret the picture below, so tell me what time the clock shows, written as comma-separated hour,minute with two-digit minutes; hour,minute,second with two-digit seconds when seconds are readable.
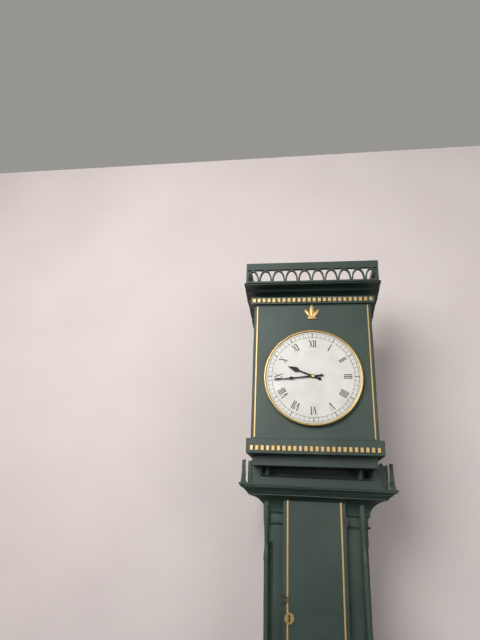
9,44
